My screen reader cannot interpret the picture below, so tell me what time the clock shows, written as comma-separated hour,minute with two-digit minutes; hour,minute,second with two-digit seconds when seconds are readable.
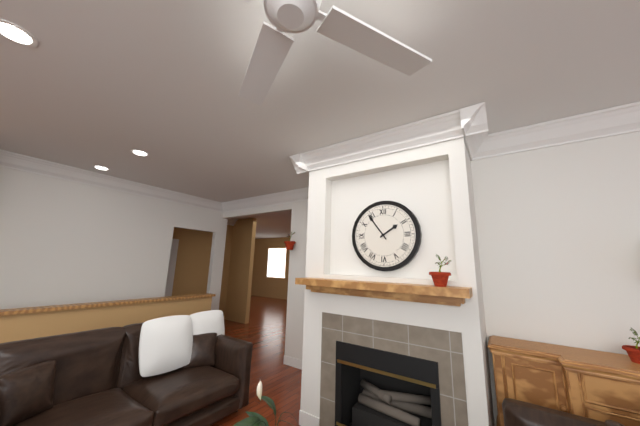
1,54
